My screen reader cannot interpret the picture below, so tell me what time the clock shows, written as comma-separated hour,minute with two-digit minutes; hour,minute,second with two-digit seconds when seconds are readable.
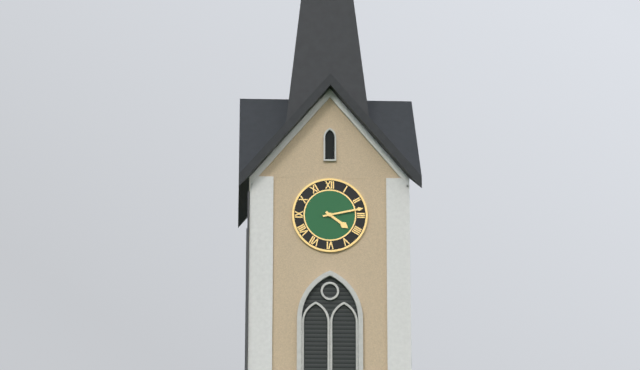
4,13
